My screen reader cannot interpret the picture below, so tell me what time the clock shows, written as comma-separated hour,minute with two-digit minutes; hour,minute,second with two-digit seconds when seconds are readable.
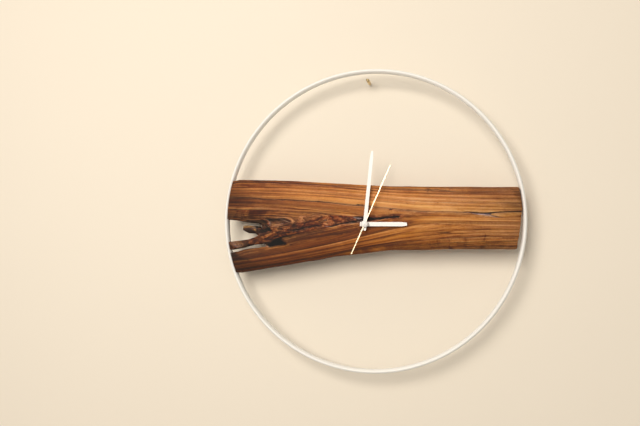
3,01,04
